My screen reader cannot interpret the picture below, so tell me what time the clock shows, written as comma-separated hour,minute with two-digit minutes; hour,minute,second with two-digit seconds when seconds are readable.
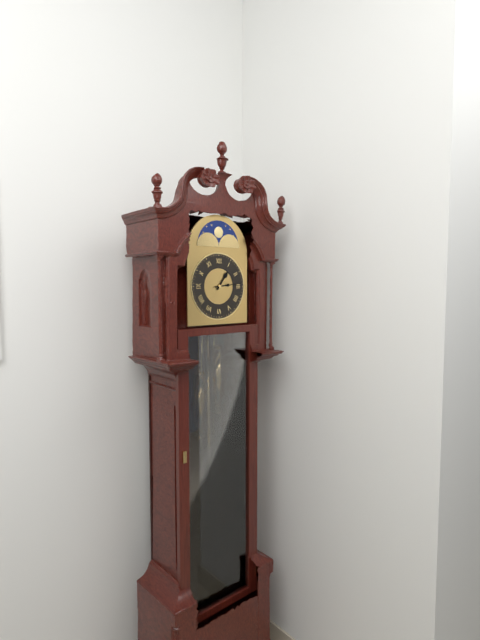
1,14
